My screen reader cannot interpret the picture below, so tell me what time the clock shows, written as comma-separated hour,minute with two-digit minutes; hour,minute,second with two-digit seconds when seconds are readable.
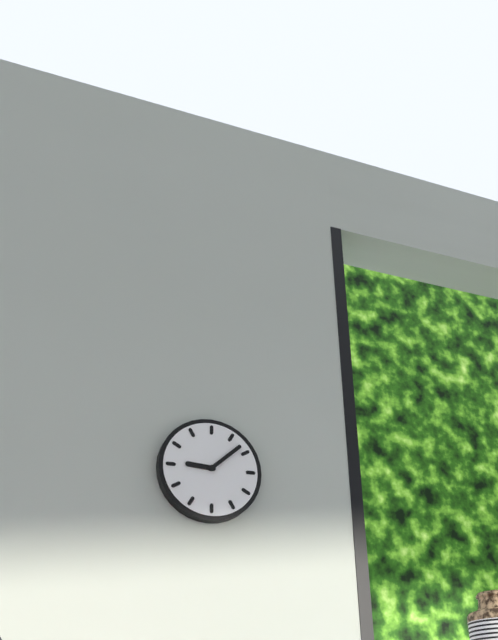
9,08
